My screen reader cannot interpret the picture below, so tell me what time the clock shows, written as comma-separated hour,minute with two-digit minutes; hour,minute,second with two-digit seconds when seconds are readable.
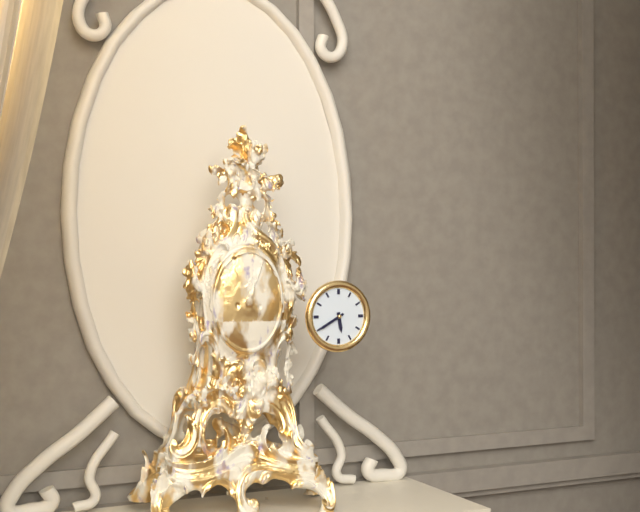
5,40
